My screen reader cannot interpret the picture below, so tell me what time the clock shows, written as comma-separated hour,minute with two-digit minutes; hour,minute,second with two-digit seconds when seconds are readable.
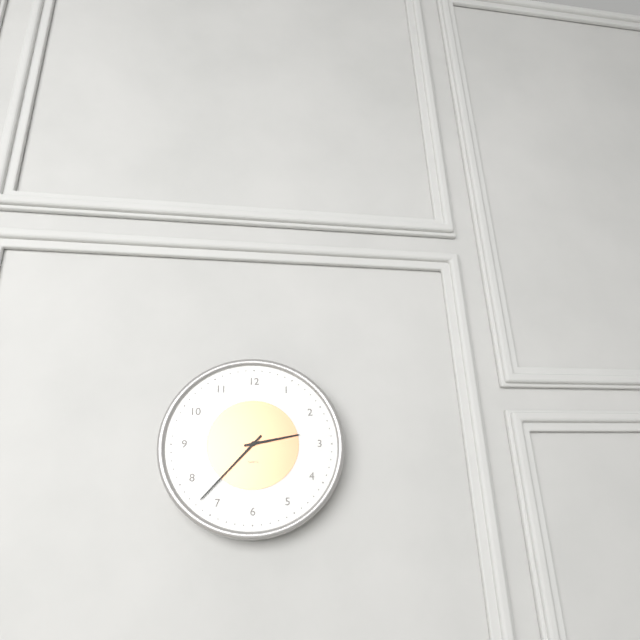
2,37
